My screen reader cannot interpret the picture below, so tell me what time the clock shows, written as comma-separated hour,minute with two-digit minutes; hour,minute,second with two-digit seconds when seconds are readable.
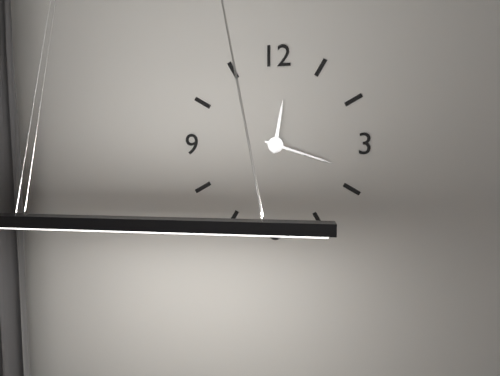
12,18
